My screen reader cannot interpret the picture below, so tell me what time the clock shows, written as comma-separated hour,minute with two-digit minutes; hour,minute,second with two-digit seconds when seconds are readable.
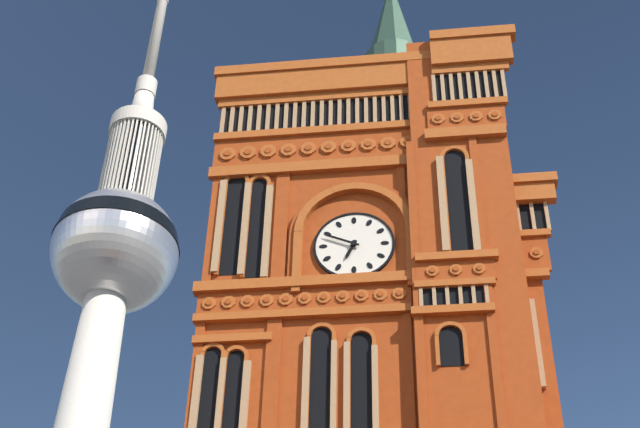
6,49
